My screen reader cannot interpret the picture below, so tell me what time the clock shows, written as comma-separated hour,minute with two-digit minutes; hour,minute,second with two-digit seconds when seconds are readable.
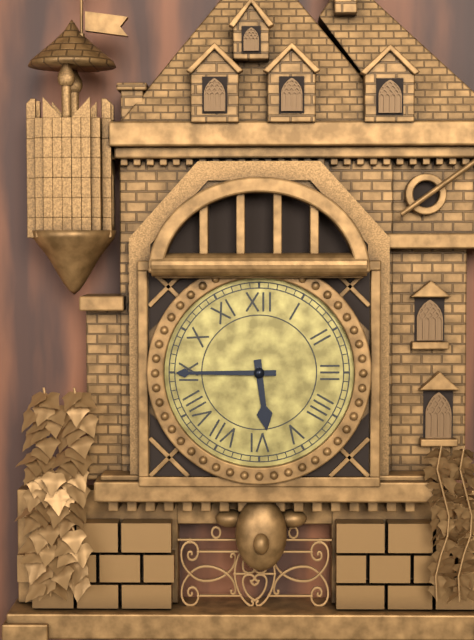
5,45
